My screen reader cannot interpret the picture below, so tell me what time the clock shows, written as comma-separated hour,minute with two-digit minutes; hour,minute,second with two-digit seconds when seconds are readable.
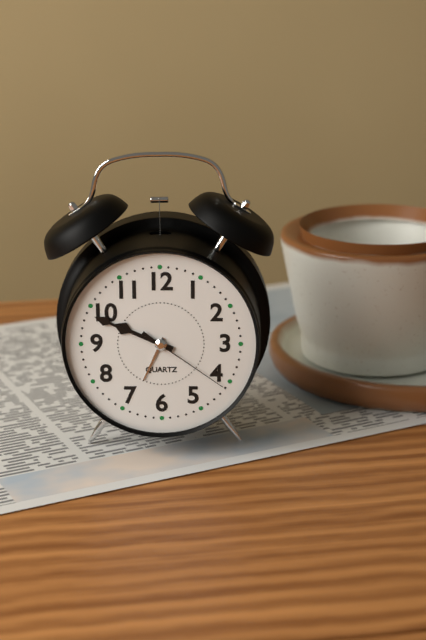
9,49,21
